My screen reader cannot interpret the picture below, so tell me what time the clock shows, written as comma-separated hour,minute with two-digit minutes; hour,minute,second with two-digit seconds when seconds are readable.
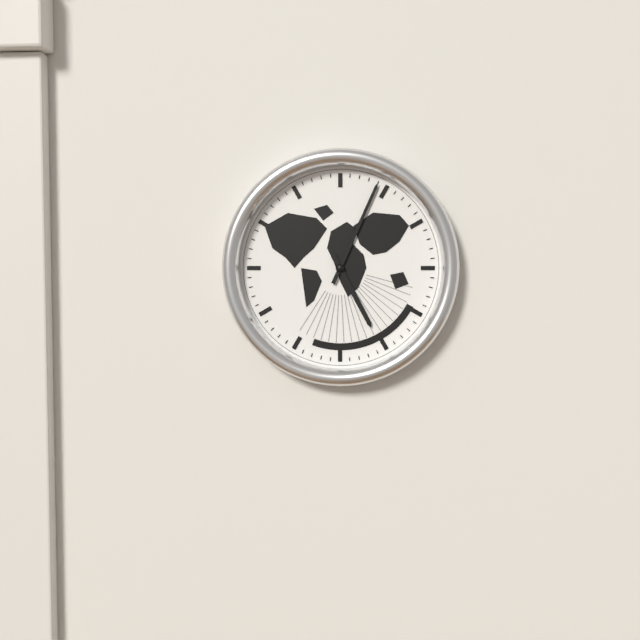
5,04
